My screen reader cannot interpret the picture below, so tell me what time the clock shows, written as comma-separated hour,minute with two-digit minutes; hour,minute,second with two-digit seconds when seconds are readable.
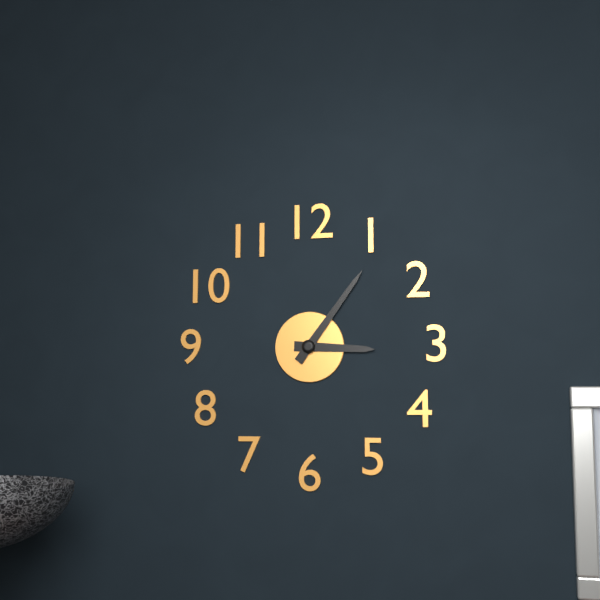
3,06
